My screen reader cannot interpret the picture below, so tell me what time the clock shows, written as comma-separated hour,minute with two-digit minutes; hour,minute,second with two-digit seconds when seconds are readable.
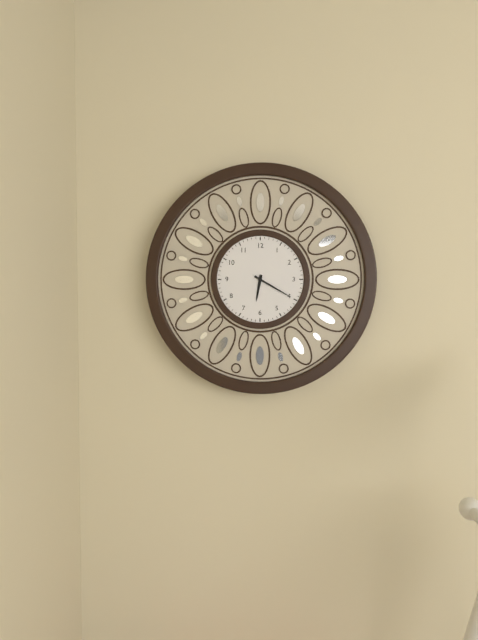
6,20
